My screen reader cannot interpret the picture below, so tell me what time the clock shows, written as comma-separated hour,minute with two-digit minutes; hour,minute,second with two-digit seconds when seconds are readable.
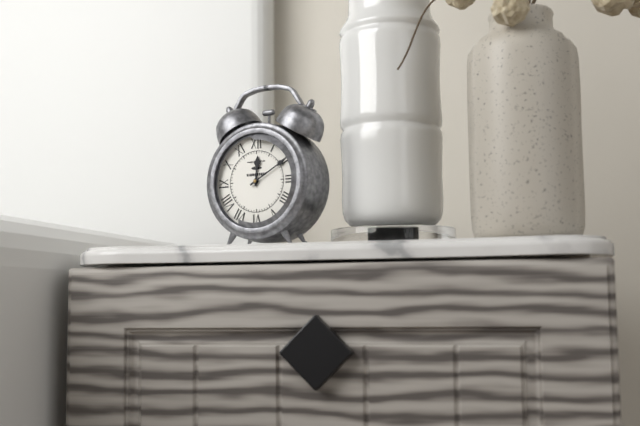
12,10
